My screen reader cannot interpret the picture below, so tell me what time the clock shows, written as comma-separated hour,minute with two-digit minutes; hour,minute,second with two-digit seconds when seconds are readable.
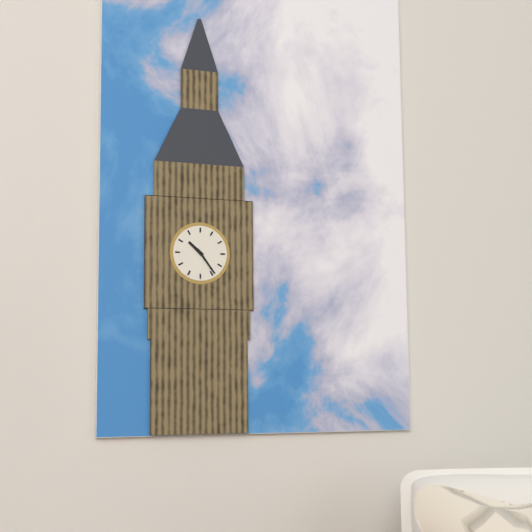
10,24
